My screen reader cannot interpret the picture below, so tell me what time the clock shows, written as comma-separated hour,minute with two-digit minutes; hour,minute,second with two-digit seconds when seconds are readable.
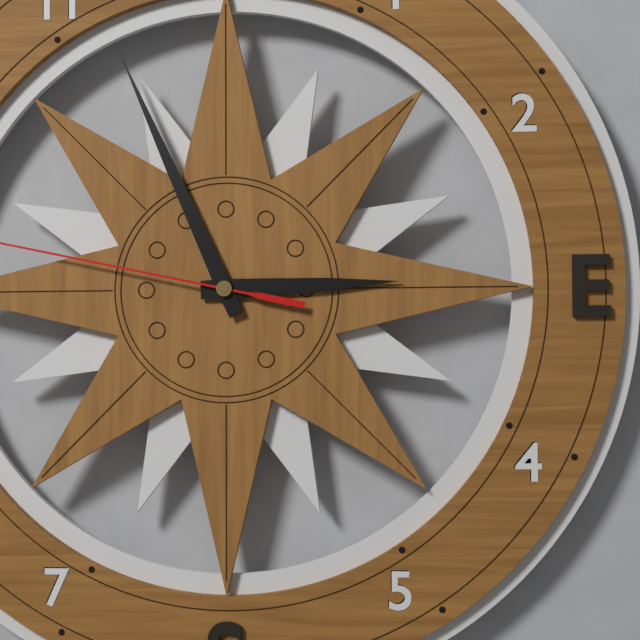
2,56
